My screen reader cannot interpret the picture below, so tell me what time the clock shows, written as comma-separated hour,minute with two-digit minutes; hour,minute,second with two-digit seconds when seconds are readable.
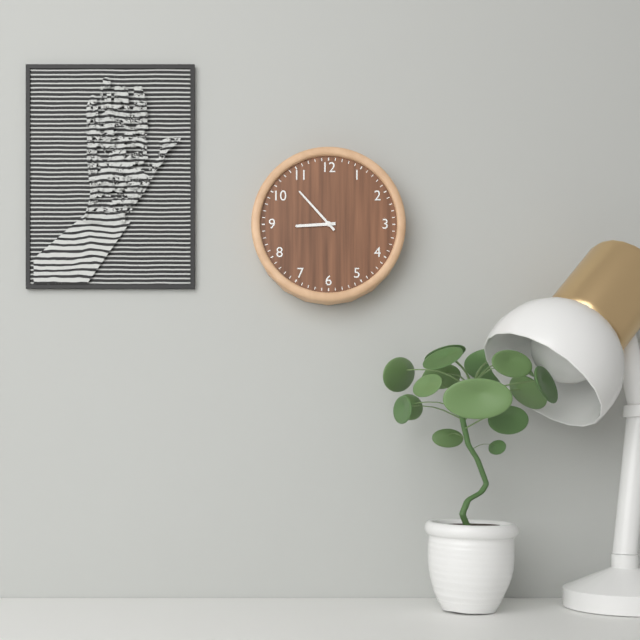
8,53
